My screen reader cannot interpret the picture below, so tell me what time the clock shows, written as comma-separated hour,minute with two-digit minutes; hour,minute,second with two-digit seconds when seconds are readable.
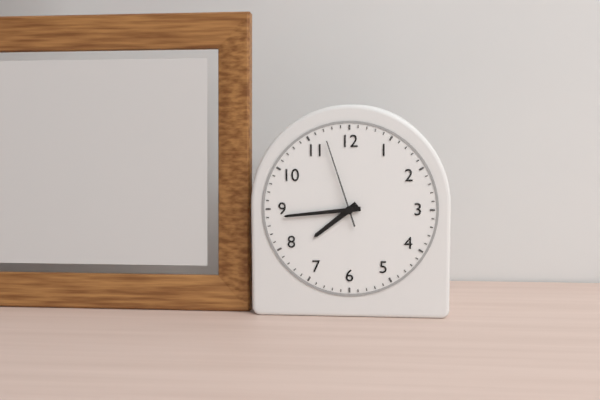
7,44,57
